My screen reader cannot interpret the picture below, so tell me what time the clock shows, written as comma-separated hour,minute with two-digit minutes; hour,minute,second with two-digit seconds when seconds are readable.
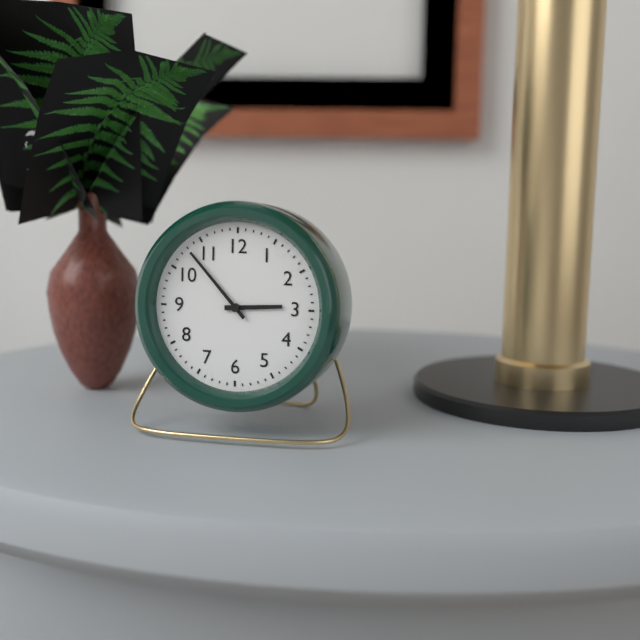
2,53
